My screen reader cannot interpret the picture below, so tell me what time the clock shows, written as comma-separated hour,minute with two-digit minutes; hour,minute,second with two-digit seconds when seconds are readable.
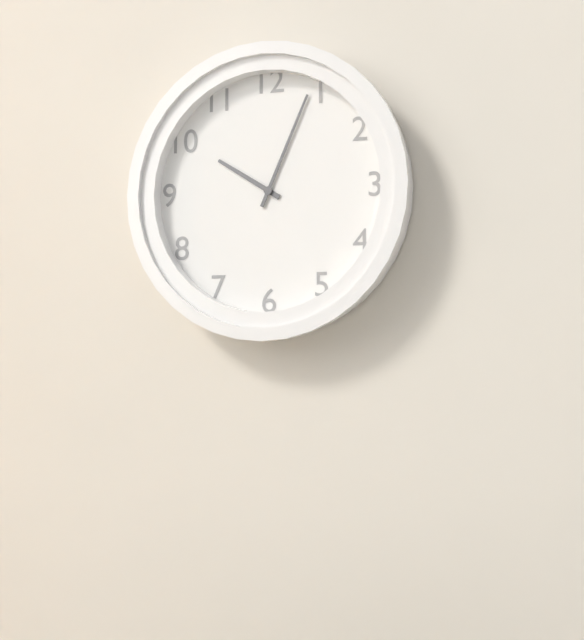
10,04
